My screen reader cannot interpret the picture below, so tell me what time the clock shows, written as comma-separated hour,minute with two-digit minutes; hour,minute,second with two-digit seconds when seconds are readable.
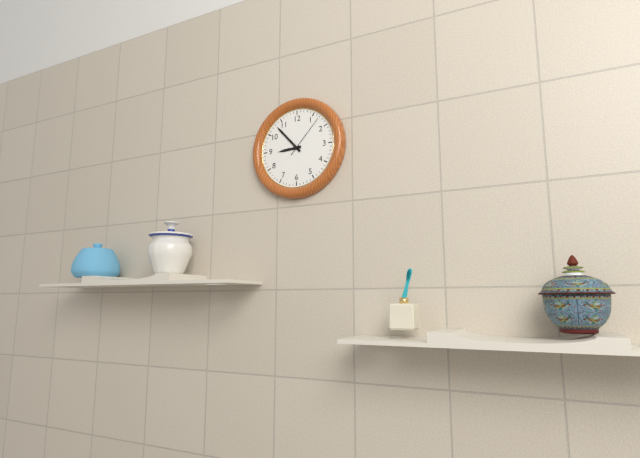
8,53
